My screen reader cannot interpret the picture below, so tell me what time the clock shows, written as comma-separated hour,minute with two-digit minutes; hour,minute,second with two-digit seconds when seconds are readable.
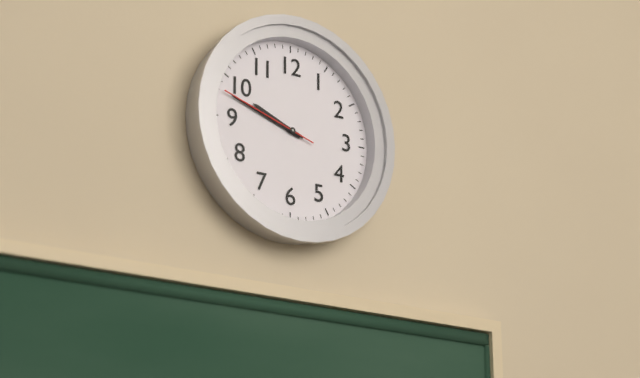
9,48,48
